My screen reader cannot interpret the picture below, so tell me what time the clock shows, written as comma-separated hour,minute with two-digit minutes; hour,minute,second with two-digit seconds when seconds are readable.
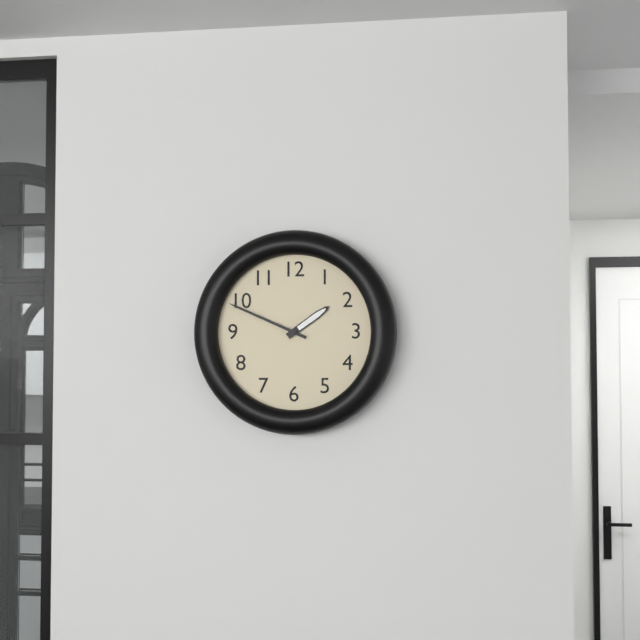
1,49
